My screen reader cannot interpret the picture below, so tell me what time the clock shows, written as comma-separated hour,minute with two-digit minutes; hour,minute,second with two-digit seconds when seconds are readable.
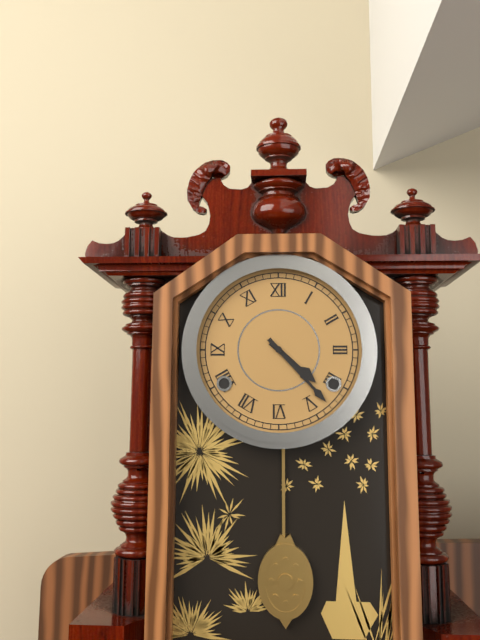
4,23
